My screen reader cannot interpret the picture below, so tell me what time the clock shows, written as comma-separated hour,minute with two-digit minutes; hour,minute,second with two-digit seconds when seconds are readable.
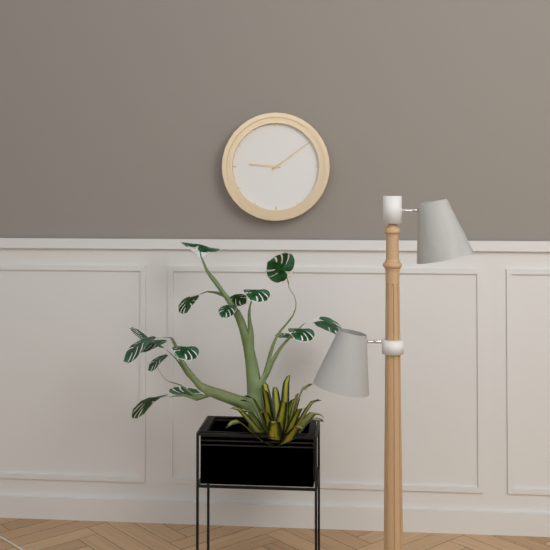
9,09
